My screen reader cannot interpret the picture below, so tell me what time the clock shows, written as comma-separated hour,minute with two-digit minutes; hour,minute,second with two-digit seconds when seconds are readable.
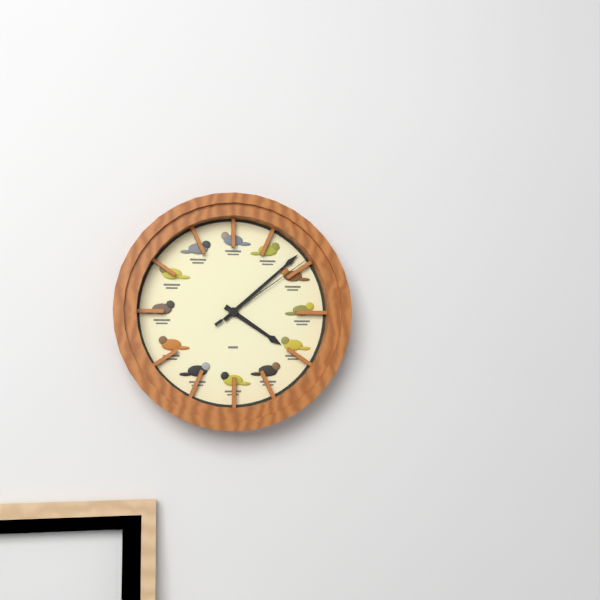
4,08,09
